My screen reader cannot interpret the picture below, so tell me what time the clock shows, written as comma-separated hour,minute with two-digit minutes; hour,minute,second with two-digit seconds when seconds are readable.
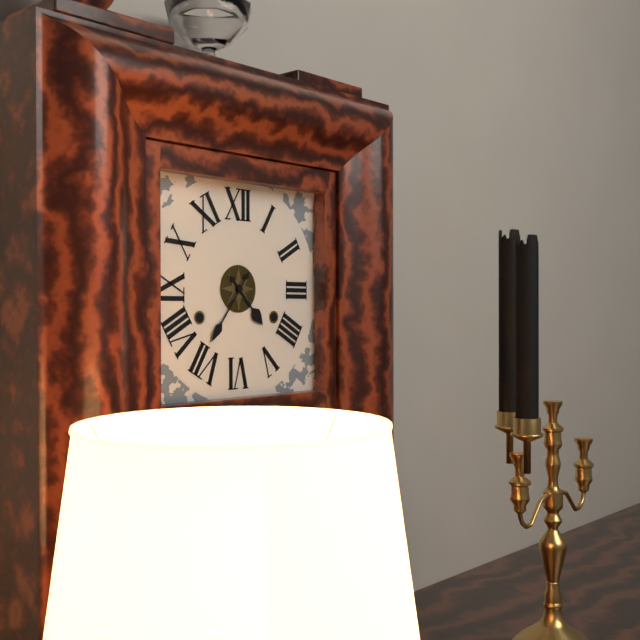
4,36
